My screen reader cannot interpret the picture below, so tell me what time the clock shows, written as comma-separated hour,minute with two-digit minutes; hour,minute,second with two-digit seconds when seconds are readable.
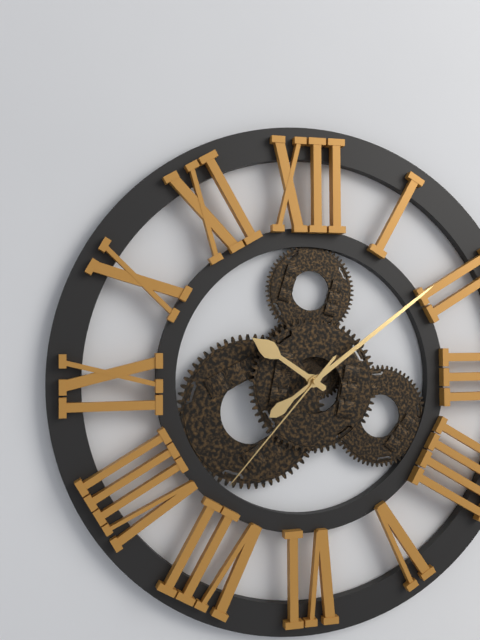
10,09,37
